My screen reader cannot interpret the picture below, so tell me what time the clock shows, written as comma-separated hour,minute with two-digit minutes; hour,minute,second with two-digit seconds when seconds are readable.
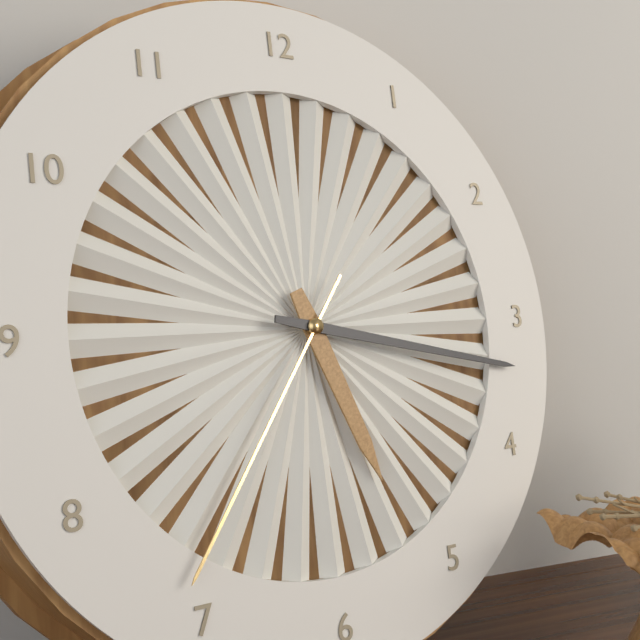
5,17,36
